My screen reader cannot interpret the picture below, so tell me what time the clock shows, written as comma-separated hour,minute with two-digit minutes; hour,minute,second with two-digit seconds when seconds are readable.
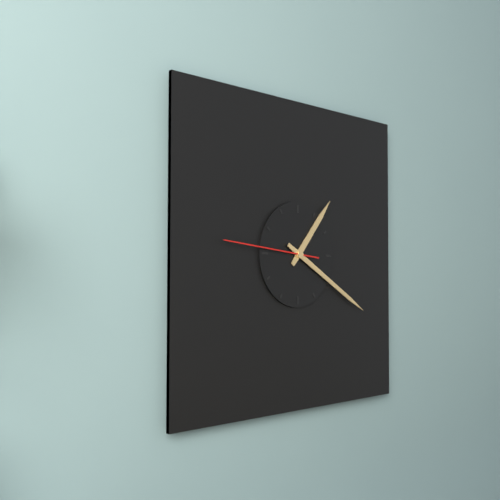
1,20,46
